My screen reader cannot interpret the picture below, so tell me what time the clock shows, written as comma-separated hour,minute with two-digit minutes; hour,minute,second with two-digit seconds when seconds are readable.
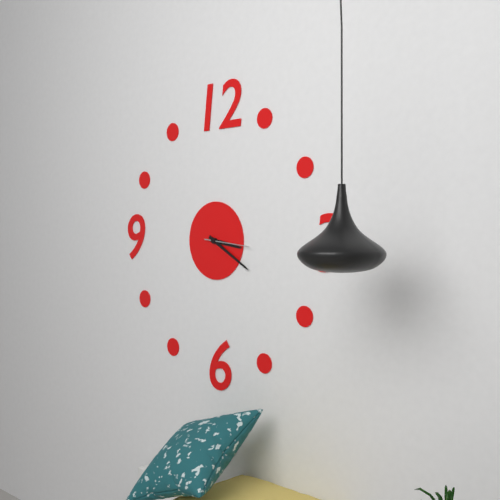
3,20
